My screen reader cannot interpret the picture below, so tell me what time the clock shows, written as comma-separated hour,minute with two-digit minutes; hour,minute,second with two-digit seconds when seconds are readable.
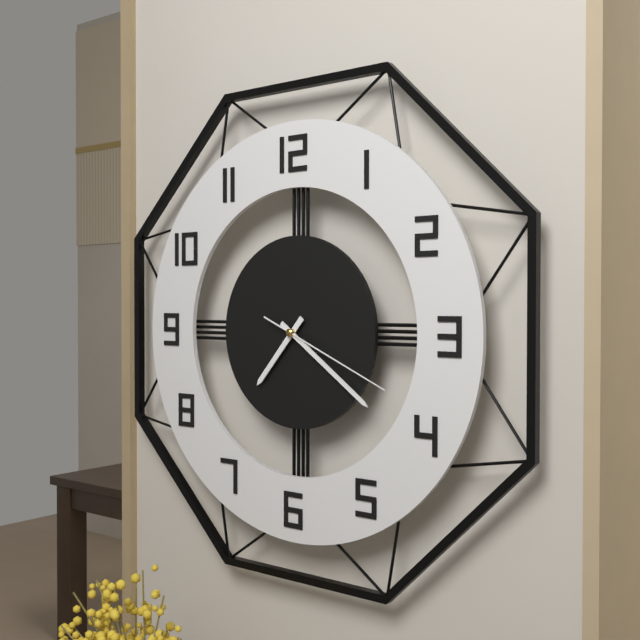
7,21,19
